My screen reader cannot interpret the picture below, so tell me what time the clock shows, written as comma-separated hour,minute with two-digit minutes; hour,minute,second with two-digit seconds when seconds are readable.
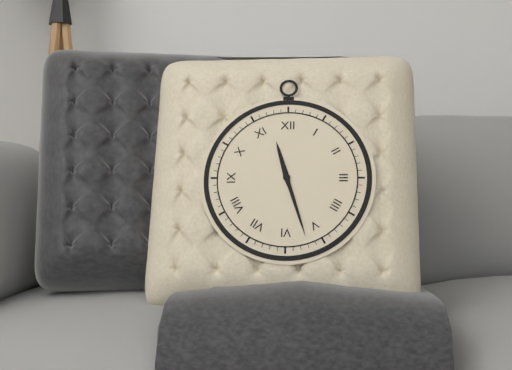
11,27
